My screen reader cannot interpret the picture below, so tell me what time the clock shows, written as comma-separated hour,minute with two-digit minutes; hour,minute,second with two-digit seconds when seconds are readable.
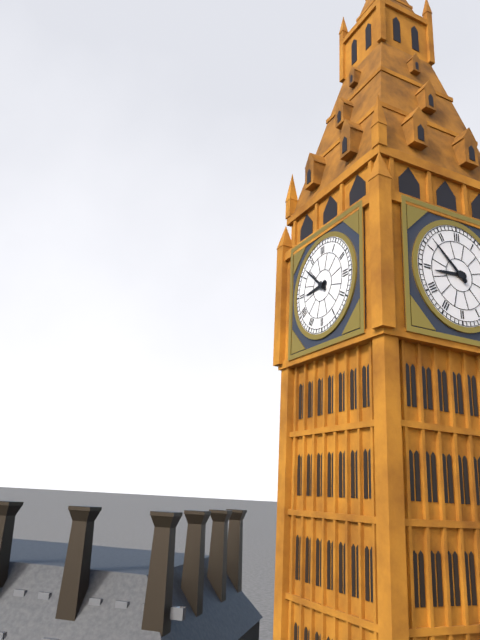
8,52
